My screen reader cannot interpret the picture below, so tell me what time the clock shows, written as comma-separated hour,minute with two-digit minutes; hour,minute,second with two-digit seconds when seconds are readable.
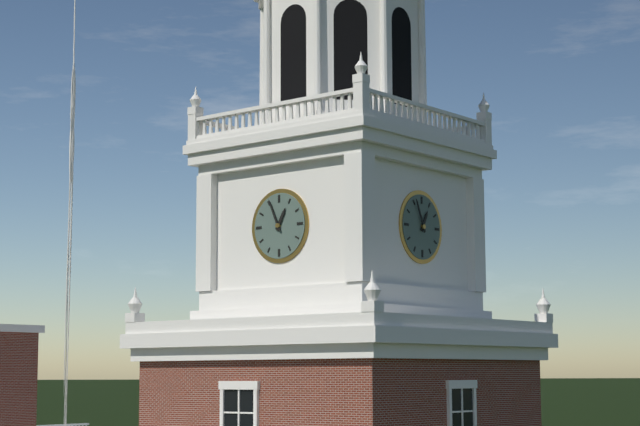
12,56
